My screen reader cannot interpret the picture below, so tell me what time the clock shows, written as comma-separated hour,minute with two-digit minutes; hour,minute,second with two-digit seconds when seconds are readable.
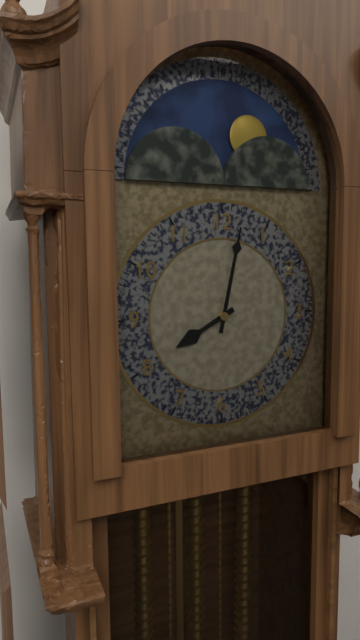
8,02
